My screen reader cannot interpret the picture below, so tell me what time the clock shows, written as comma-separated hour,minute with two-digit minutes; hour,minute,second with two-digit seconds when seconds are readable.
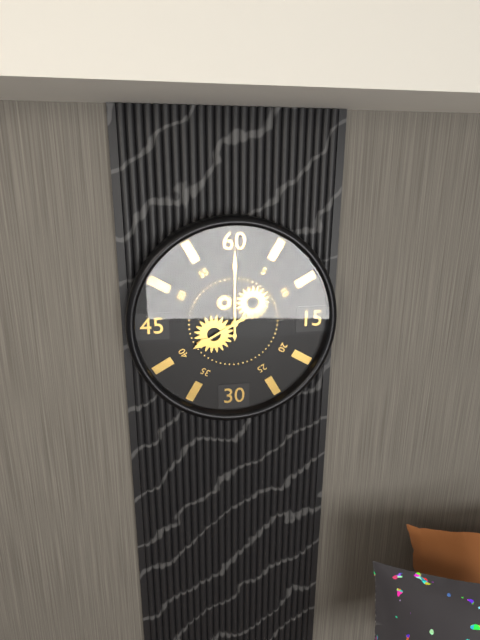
8,00
